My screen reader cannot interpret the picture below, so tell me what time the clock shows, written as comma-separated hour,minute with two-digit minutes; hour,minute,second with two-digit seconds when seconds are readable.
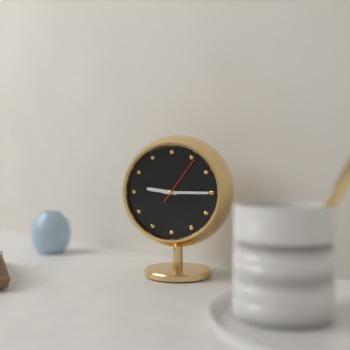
9,15,06
